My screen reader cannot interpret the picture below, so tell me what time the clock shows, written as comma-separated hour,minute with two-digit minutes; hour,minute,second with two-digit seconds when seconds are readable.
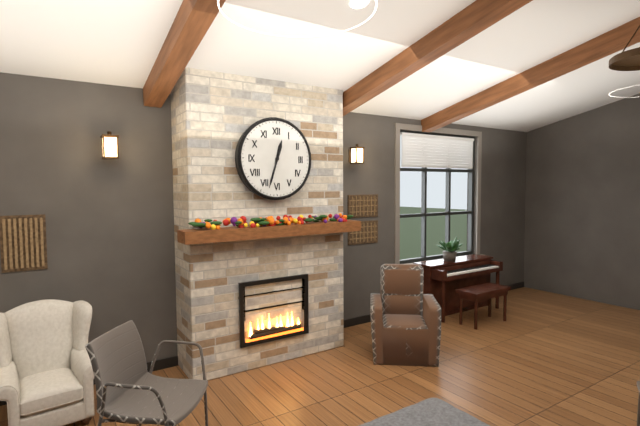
12,33
